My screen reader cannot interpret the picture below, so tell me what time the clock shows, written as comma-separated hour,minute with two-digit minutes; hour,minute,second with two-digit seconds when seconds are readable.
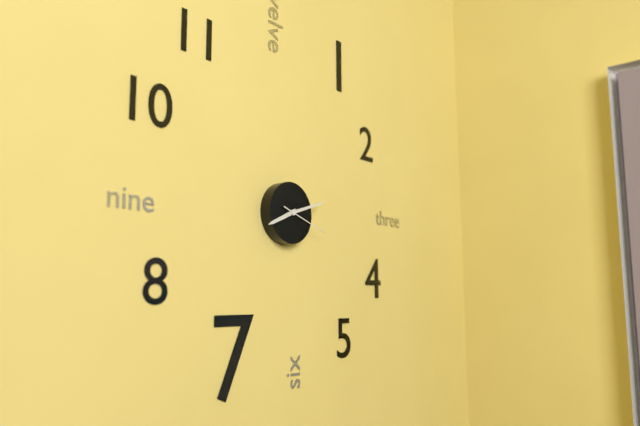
8,12
